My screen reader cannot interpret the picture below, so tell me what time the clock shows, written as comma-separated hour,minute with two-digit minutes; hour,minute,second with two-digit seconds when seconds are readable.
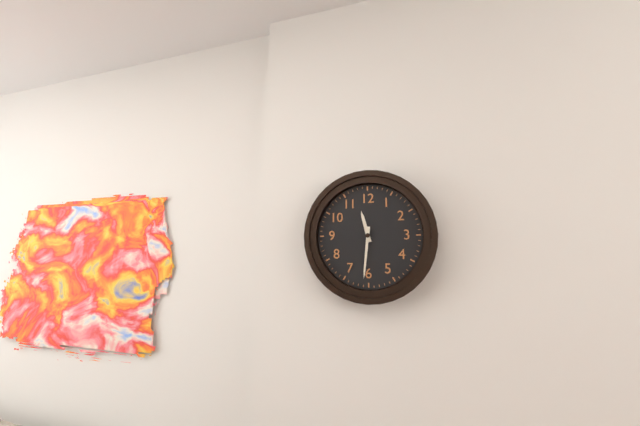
11,31
